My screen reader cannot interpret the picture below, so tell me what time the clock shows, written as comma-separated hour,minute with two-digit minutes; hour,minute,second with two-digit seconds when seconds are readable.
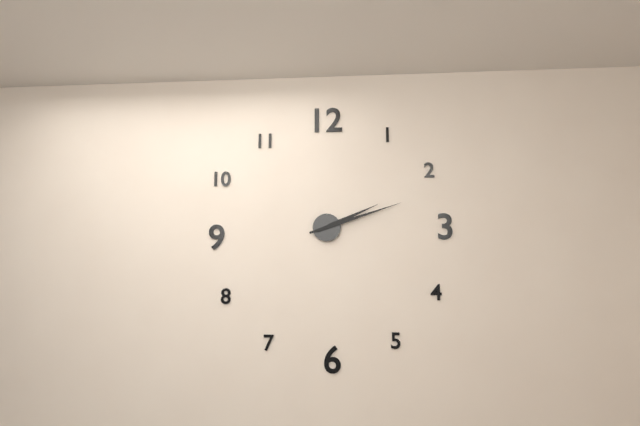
2,12
